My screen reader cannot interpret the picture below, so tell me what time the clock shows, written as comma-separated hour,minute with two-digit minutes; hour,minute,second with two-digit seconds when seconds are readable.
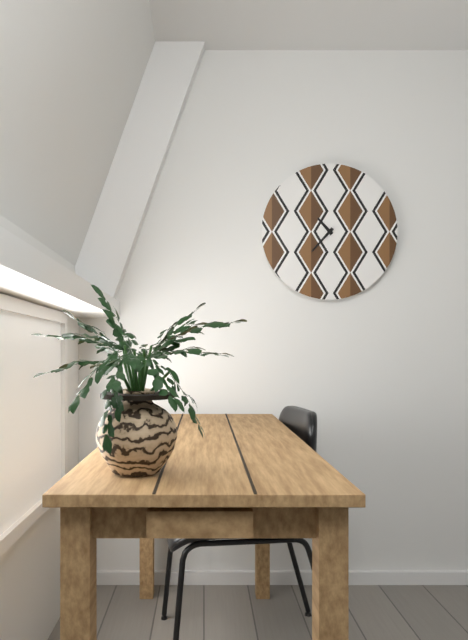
10,37
